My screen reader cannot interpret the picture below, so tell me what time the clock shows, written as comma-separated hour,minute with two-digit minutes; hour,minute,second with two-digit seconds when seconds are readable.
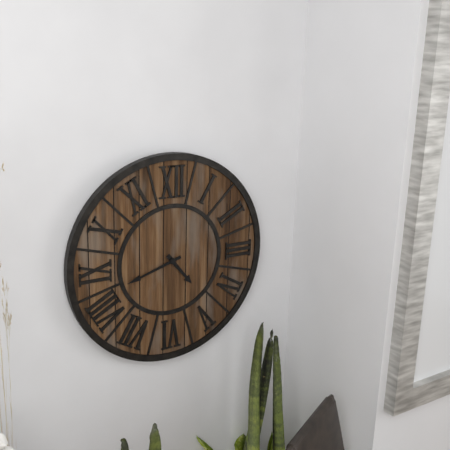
4,42
